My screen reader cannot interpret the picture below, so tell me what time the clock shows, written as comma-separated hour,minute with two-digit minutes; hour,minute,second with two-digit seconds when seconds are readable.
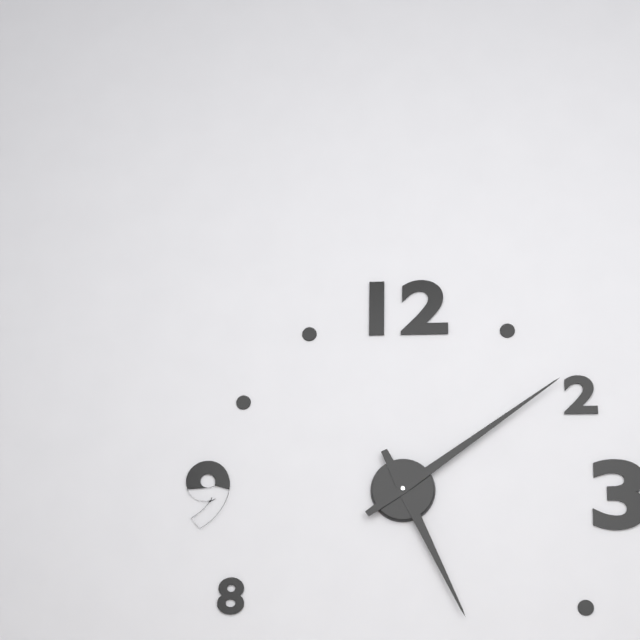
5,09
